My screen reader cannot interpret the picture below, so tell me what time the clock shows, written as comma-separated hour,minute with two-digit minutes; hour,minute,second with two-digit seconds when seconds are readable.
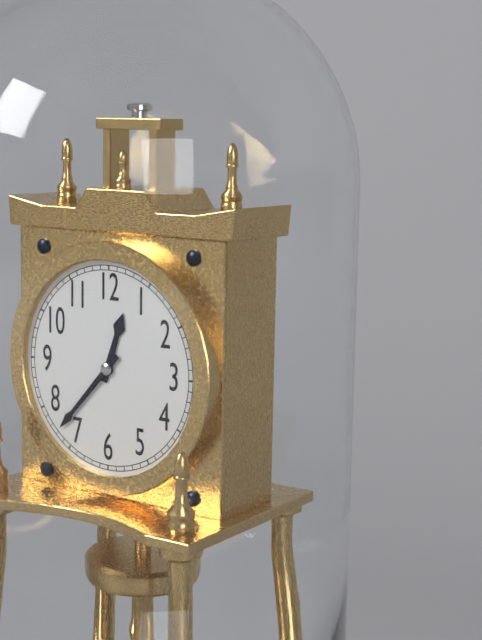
12,37
